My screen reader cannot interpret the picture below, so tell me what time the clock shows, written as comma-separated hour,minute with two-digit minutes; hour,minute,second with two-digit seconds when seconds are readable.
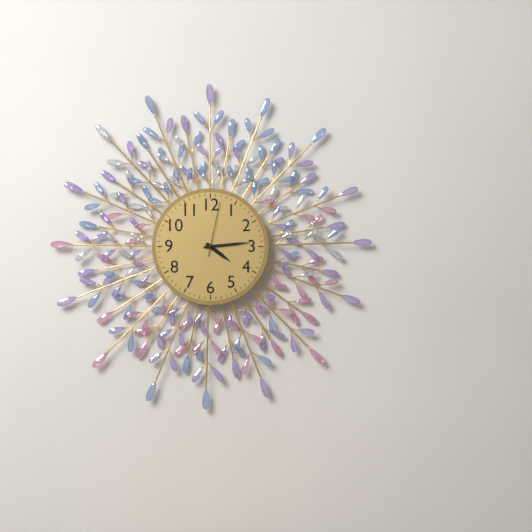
4,14,02
